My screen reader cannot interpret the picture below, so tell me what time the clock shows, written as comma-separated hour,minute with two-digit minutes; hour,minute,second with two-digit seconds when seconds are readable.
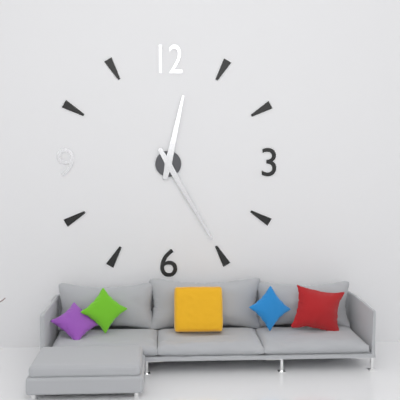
12,25
